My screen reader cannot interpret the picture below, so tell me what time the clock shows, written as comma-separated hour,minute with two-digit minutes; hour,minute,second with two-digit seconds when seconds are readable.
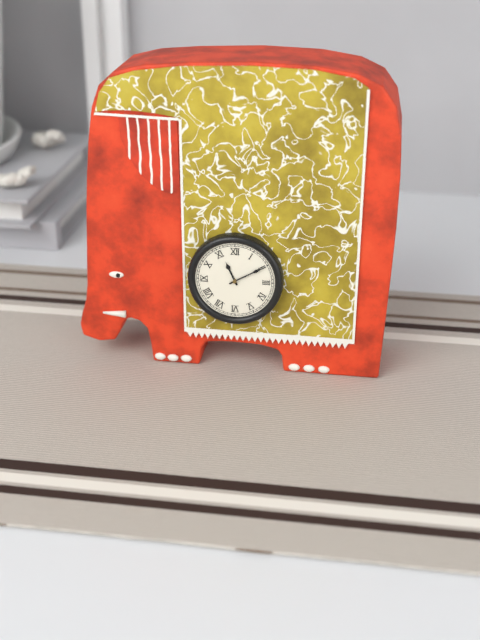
11,10
